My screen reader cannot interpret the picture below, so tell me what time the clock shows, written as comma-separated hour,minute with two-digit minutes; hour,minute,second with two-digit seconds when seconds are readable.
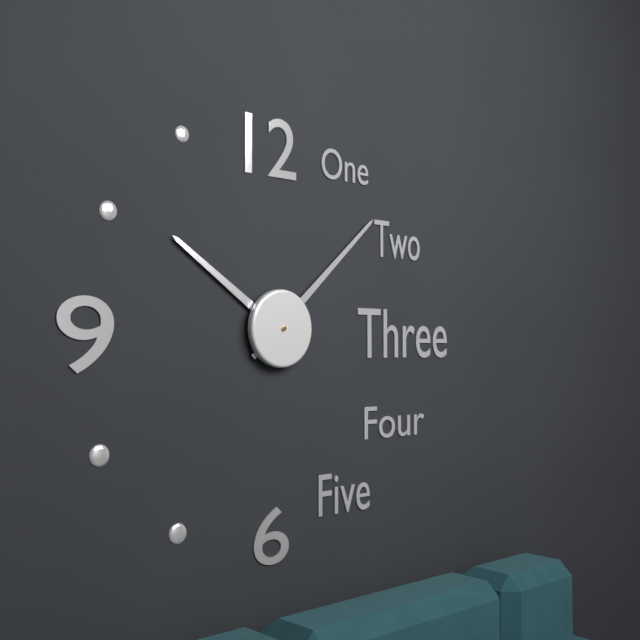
10,08
